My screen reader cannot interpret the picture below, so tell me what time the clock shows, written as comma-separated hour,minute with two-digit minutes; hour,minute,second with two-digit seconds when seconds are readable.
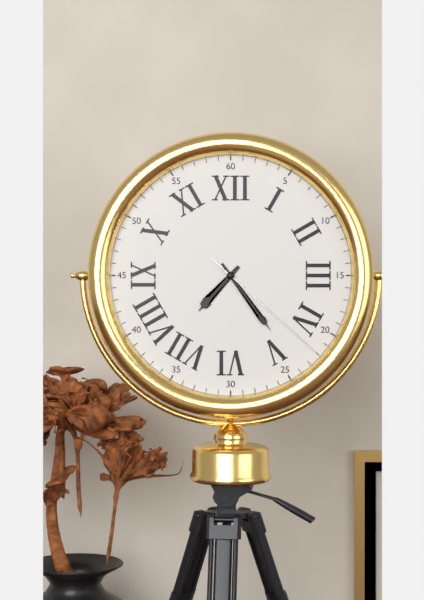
7,24,22
